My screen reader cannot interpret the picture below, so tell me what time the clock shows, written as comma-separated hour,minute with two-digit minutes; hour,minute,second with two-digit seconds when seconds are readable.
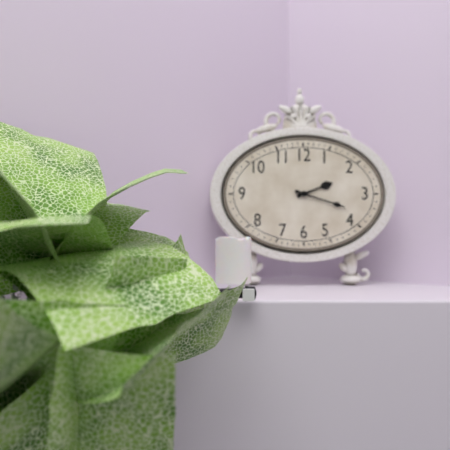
2,18
